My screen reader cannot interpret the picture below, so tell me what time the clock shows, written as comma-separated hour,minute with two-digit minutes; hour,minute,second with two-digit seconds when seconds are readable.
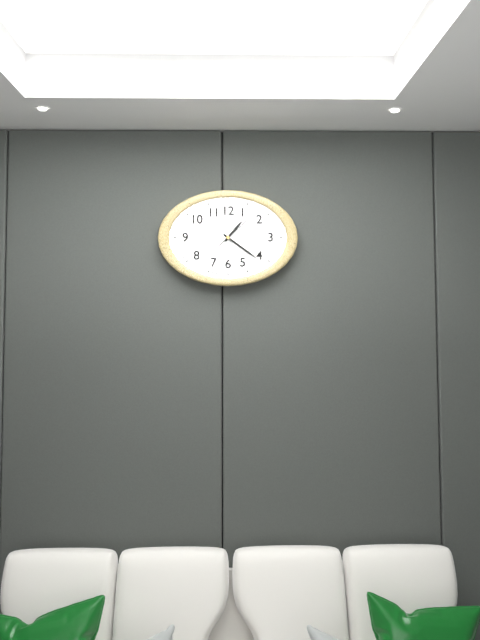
1,21
